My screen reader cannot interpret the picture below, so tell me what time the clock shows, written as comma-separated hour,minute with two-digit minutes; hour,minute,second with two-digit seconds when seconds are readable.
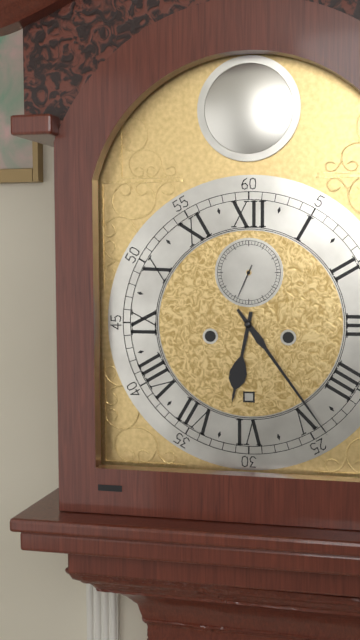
6,24
